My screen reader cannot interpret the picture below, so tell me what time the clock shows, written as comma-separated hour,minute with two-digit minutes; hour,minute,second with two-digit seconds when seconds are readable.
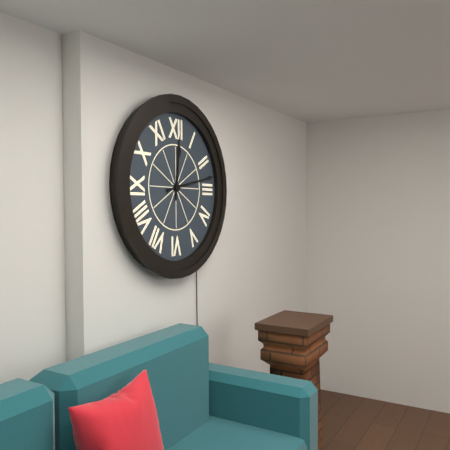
12,13
